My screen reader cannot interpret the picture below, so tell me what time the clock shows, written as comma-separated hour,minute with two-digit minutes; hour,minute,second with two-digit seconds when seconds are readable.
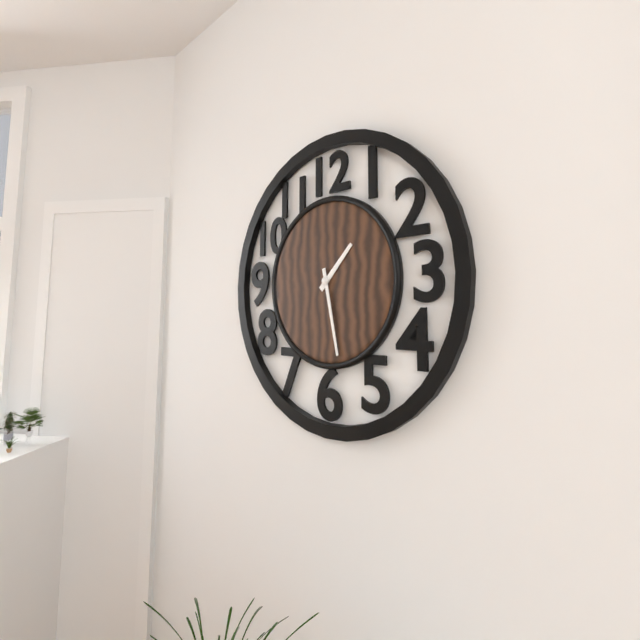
1,28
